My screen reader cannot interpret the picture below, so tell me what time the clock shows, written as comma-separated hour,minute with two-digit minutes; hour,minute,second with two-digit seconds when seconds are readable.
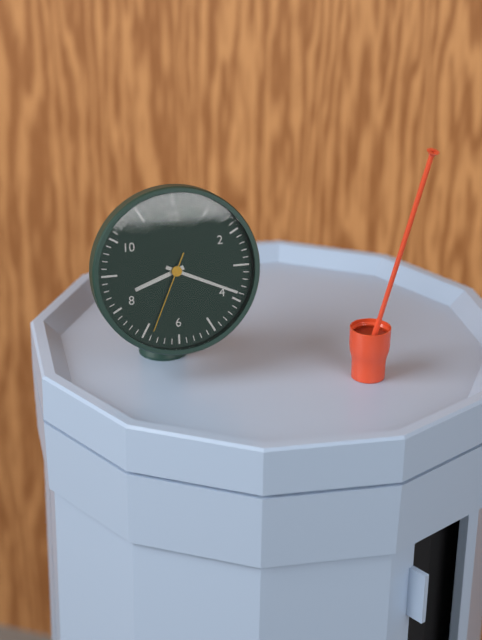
8,19,34
